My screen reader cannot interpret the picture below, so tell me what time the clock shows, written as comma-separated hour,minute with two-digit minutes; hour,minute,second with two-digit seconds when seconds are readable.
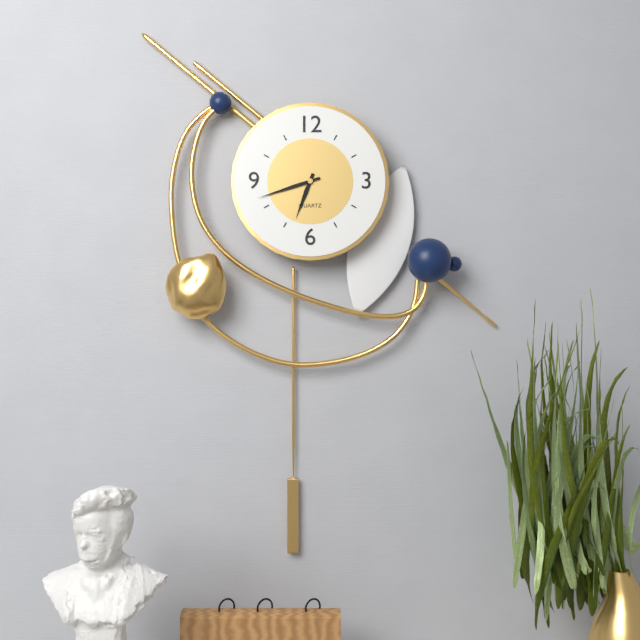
6,42
